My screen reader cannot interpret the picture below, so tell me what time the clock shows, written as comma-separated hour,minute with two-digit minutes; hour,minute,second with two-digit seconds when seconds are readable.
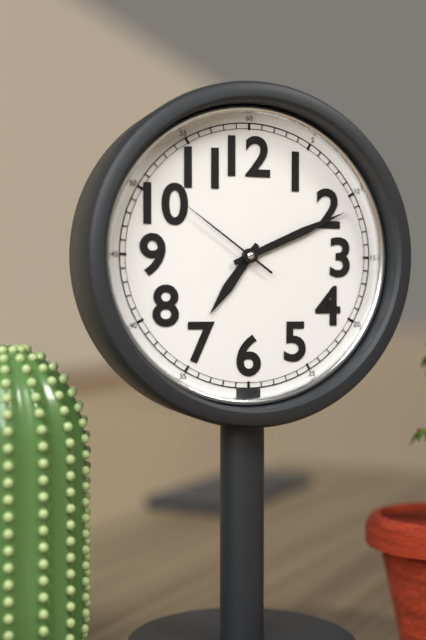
7,11,51
